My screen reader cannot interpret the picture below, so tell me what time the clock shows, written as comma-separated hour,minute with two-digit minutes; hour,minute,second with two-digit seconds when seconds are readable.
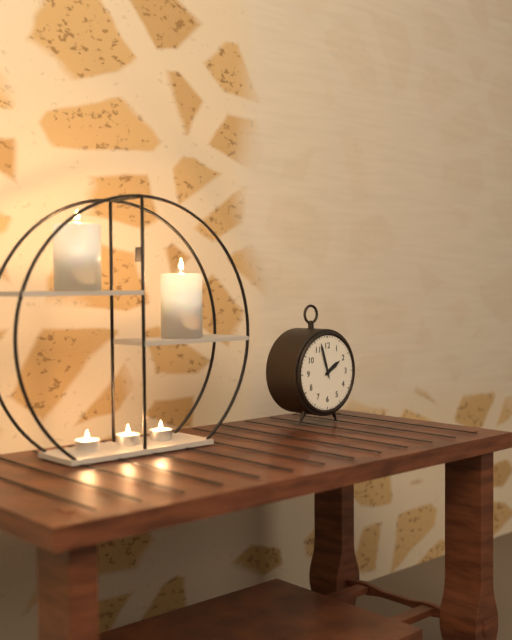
1,57
